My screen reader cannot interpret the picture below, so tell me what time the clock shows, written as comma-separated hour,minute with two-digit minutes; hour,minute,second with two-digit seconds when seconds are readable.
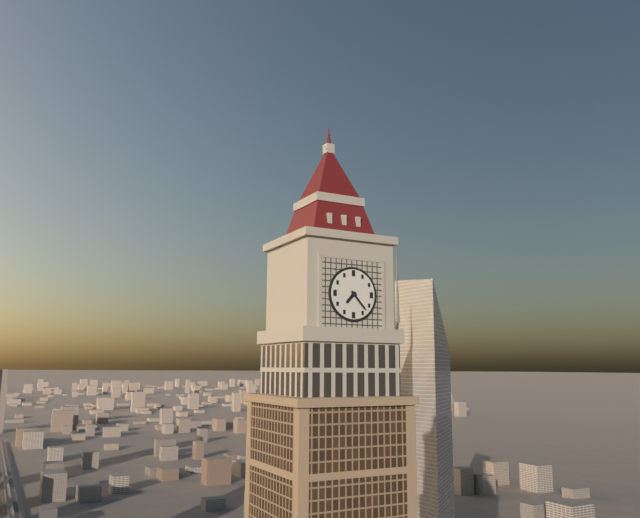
7,23
